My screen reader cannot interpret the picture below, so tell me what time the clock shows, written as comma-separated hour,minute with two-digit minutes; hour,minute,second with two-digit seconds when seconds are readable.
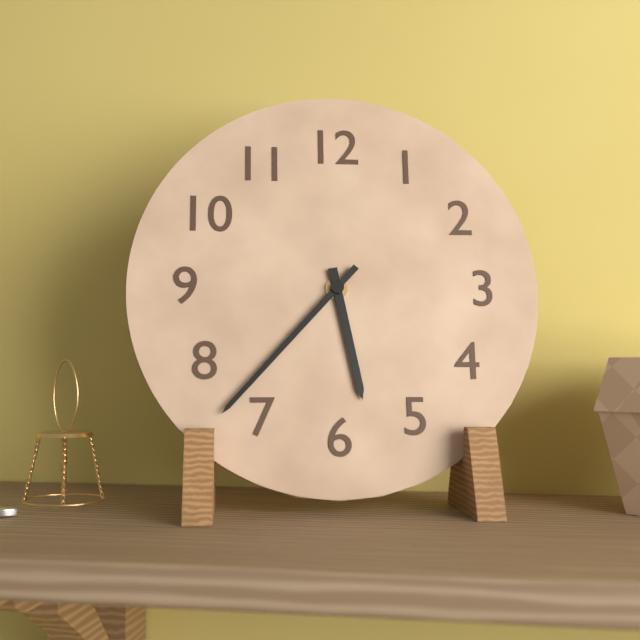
5,37
